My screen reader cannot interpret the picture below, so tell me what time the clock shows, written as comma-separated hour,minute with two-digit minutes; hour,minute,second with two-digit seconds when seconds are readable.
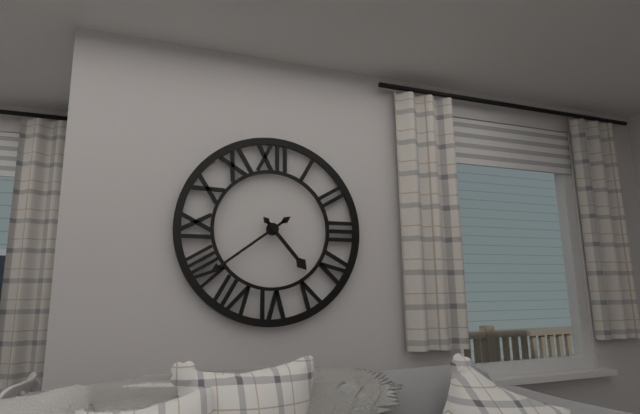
4,39
